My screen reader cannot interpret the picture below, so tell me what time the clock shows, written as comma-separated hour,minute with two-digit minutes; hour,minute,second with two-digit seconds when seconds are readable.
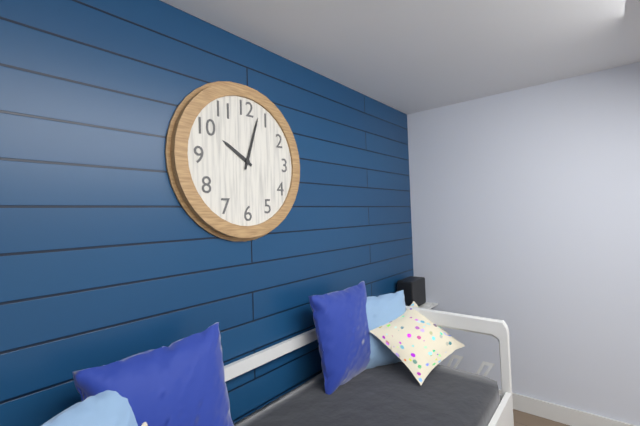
10,03
